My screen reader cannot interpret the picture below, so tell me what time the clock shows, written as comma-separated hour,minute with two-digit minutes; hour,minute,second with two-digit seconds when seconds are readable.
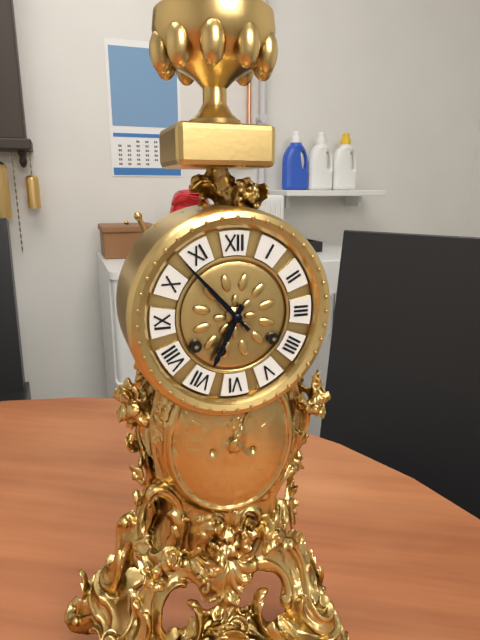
6,53
